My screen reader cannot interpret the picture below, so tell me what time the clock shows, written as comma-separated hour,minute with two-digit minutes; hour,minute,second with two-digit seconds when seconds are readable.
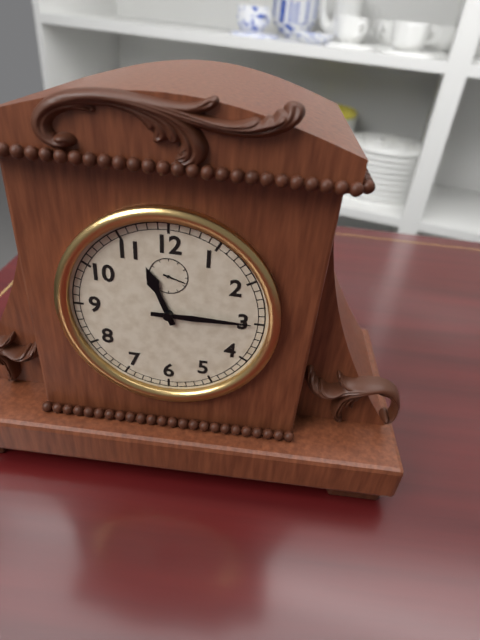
11,15
